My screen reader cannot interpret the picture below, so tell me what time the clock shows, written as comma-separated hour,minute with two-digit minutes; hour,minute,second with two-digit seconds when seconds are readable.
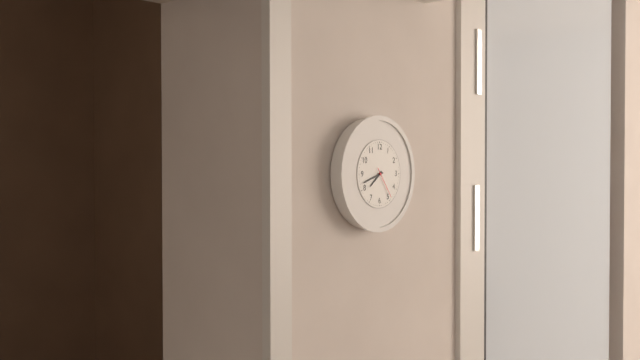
7,42
